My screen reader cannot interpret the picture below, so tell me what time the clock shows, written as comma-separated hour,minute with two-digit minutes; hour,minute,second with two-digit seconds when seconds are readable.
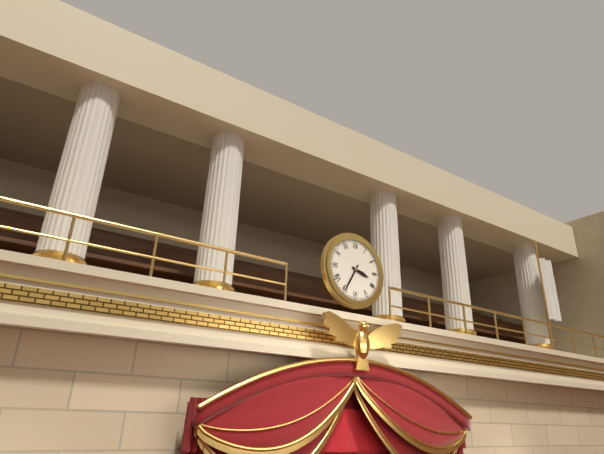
3,35
